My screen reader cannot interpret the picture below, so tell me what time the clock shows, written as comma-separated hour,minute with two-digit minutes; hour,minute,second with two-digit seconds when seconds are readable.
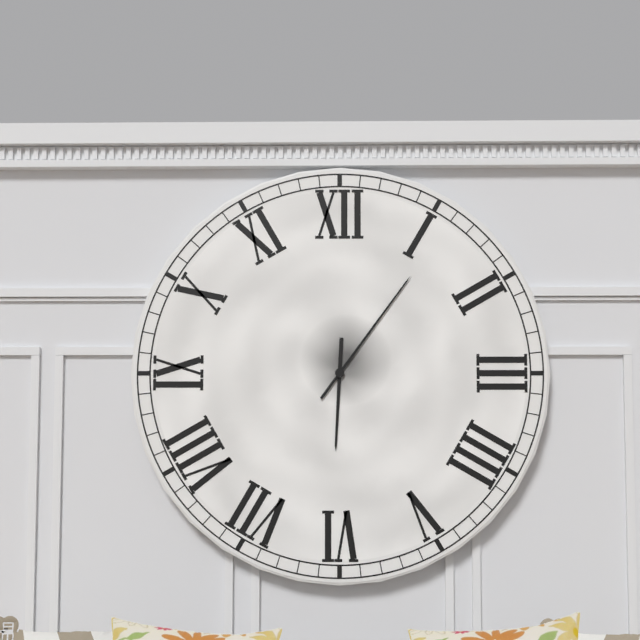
6,06
